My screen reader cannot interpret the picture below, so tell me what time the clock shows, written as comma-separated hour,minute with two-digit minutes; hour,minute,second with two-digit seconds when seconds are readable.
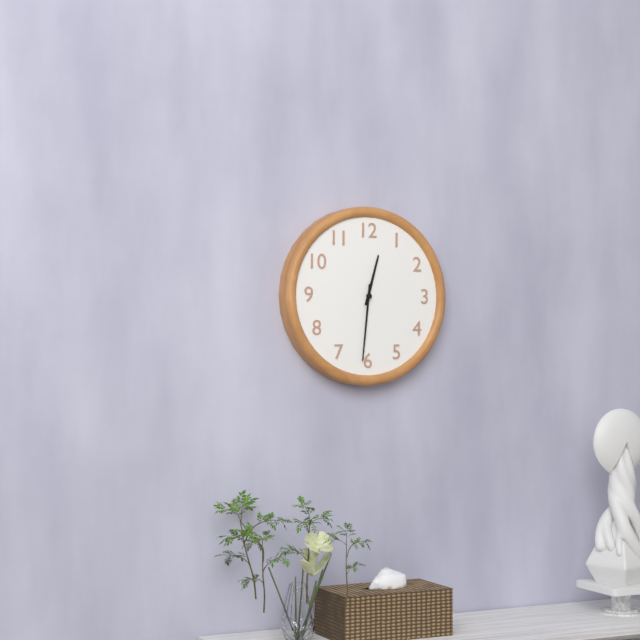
12,31
